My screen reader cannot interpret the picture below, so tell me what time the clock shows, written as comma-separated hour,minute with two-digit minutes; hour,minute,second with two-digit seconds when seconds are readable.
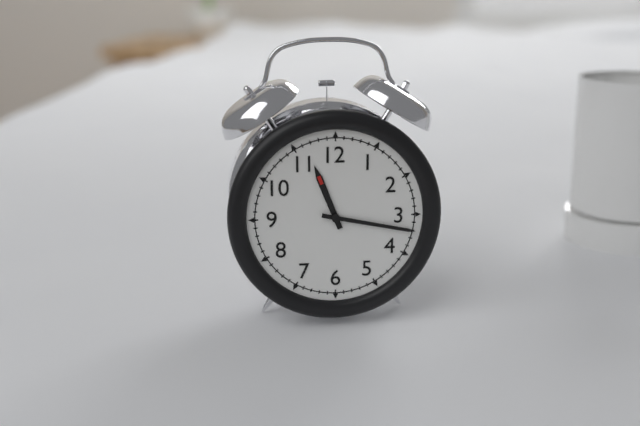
11,17
